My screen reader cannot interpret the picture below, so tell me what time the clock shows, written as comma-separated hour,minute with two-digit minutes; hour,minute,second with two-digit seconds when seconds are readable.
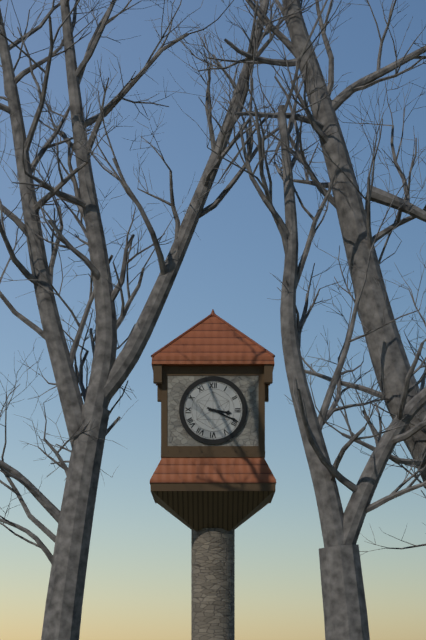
3,19
